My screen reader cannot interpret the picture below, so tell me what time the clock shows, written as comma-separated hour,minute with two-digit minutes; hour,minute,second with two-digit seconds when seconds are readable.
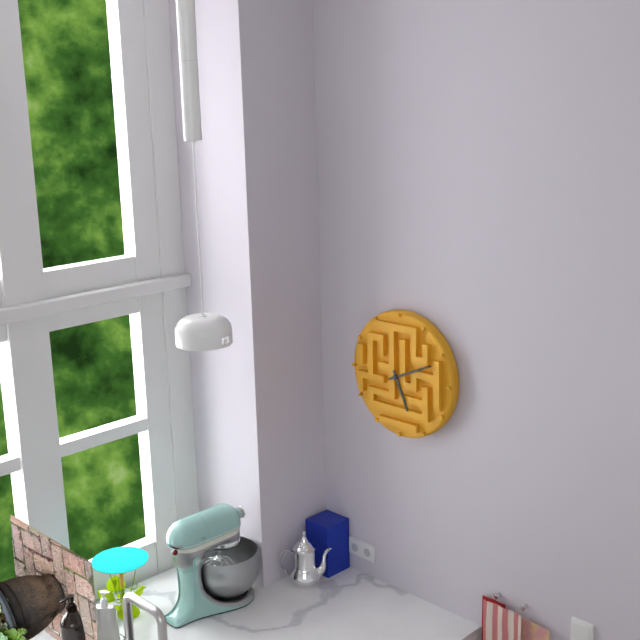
5,11
